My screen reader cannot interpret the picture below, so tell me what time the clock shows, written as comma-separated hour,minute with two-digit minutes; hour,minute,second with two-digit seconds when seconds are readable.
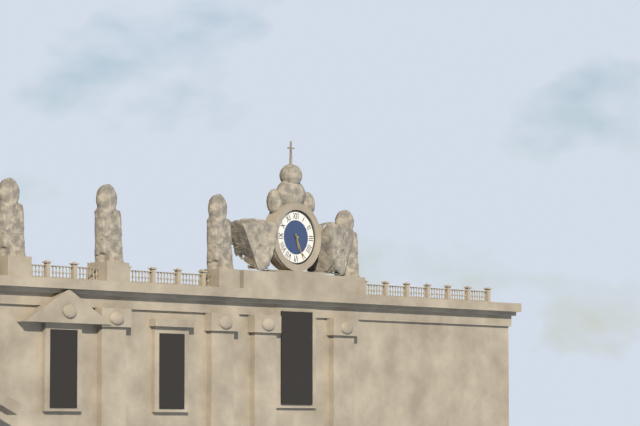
5,26
